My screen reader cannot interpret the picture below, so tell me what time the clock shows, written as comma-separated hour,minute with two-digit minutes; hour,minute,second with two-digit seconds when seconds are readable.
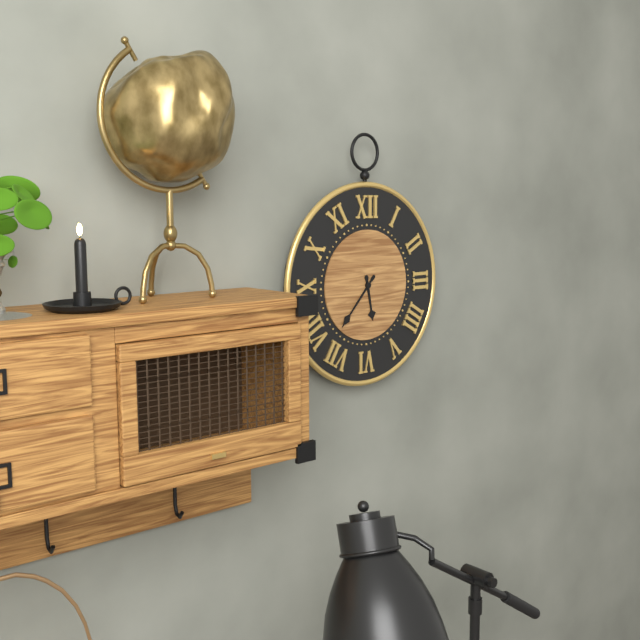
5,37
